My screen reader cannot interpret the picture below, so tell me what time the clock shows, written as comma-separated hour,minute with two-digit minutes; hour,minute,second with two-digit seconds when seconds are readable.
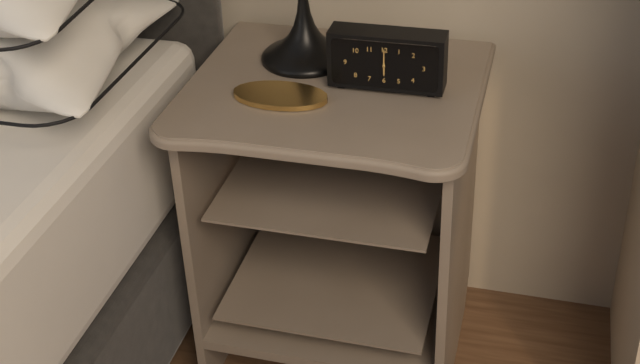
6,00
